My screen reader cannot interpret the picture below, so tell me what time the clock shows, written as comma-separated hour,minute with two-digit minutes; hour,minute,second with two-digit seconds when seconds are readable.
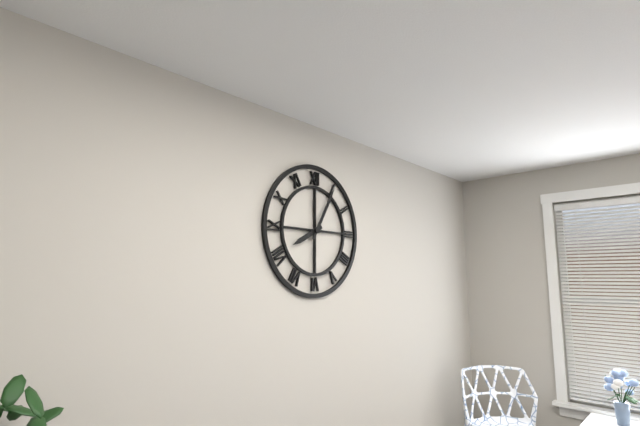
8,05
